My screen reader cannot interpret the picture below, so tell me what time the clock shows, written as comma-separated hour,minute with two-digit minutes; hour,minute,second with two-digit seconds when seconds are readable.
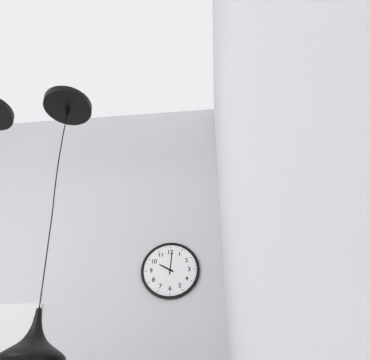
10,01
